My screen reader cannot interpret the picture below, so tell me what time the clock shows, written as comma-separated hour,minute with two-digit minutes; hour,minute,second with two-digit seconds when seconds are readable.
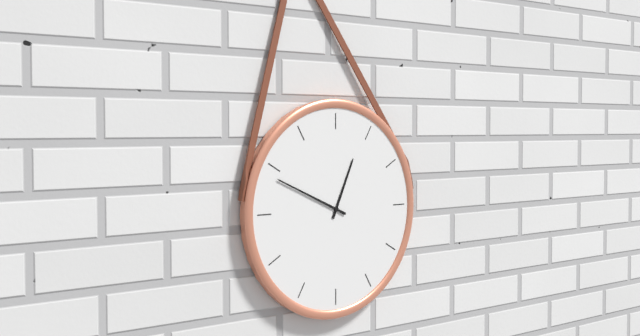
12,49
